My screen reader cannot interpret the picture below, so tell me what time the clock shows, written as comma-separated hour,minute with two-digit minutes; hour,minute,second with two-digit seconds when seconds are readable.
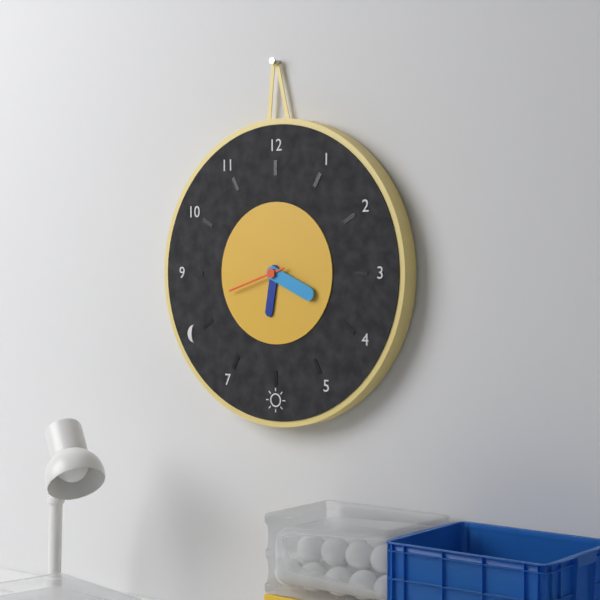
6,19,42
